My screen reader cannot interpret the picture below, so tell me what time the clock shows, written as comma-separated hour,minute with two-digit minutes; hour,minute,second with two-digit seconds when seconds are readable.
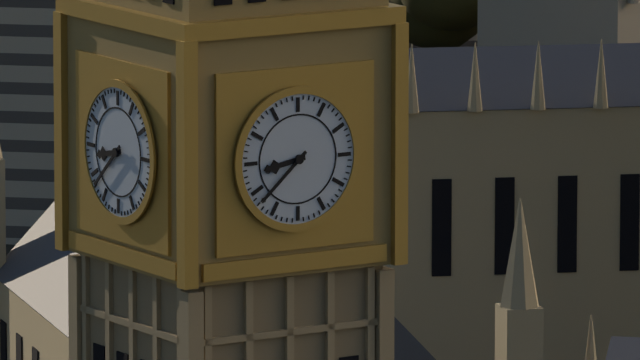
8,38
